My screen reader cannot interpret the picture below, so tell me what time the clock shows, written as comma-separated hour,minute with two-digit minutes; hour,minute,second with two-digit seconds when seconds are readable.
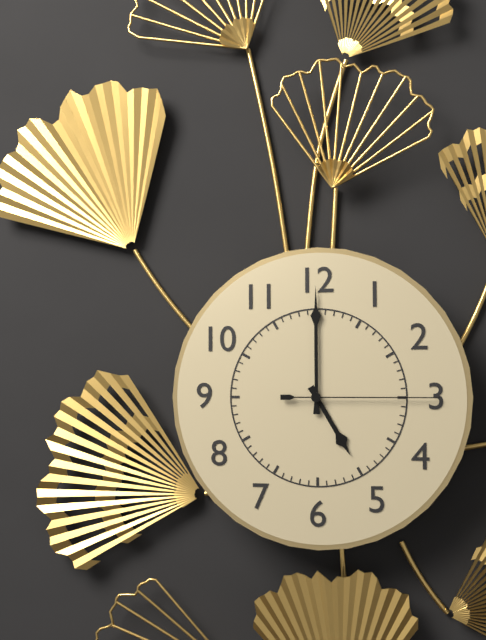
5,00,15
